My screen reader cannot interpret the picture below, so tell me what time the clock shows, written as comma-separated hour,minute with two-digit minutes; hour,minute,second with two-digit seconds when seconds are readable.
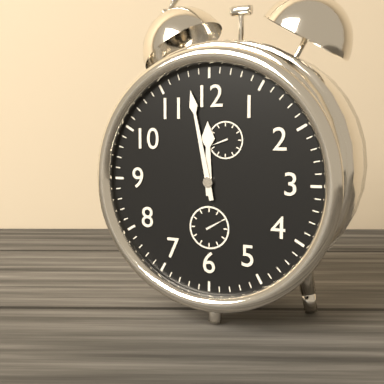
11,58
